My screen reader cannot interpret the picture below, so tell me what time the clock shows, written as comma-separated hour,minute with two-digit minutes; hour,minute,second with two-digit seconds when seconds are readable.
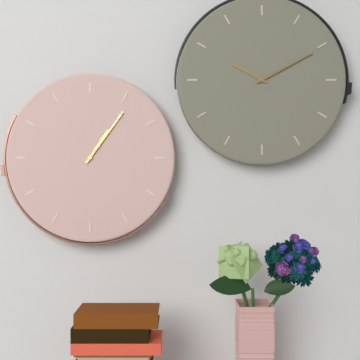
1,06
